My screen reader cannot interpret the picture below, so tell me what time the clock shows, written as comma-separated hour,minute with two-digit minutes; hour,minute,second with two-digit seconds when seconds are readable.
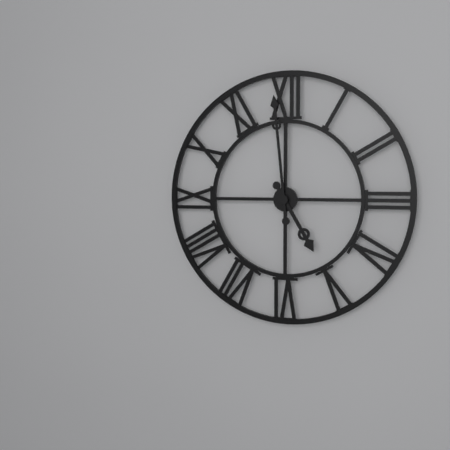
4,59
